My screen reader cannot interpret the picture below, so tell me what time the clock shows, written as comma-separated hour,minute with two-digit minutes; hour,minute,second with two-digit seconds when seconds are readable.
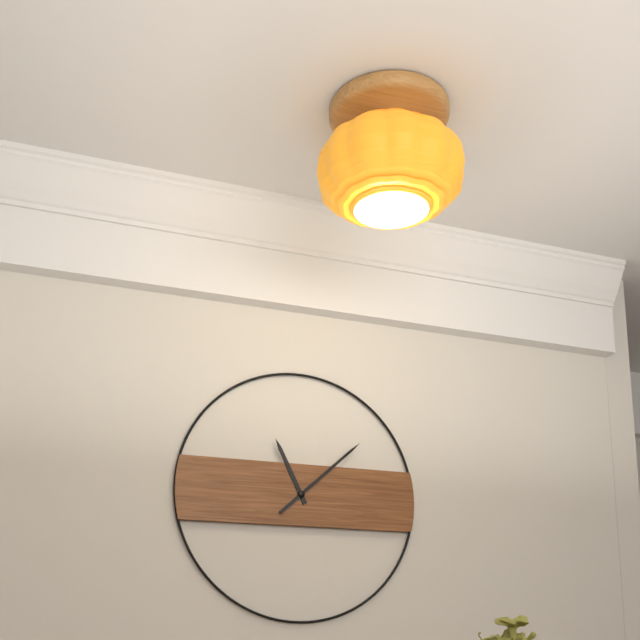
11,08
